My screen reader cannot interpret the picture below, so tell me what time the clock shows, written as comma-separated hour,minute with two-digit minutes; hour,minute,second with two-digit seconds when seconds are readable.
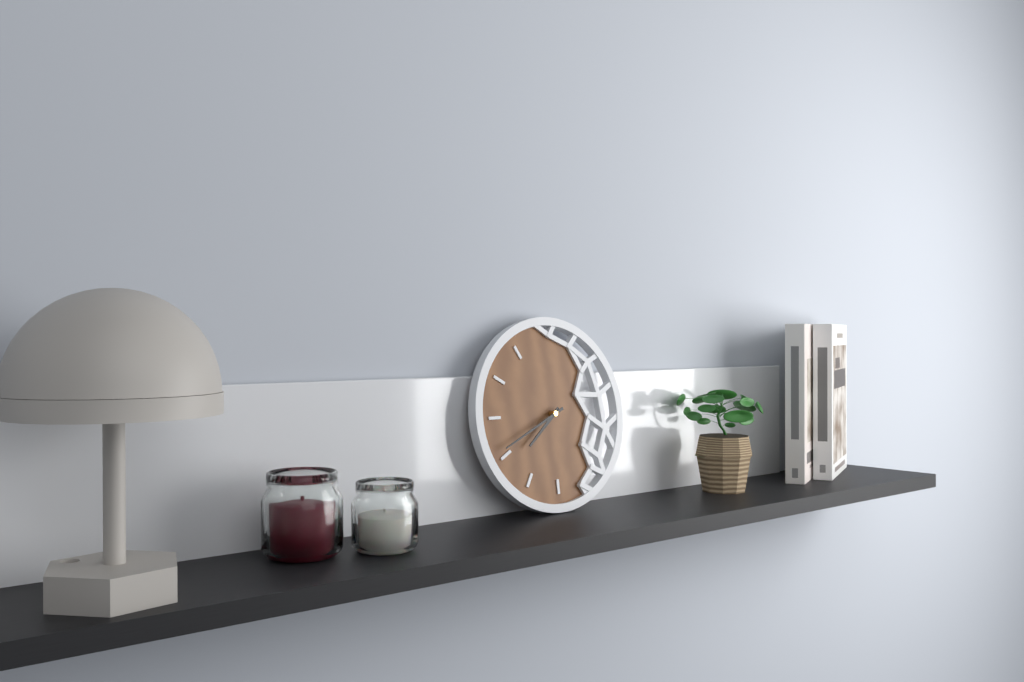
7,41
